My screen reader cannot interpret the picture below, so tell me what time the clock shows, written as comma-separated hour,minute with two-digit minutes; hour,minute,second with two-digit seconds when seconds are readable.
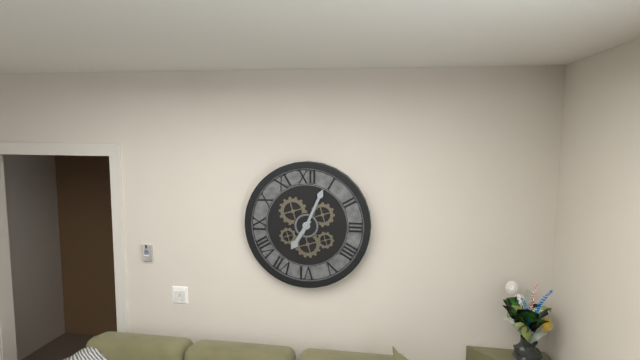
7,04
